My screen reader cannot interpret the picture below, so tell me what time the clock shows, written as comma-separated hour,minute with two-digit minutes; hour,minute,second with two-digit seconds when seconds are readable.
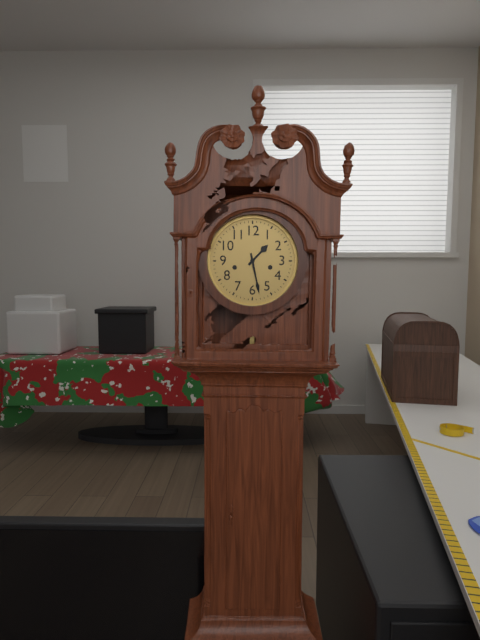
1,28
